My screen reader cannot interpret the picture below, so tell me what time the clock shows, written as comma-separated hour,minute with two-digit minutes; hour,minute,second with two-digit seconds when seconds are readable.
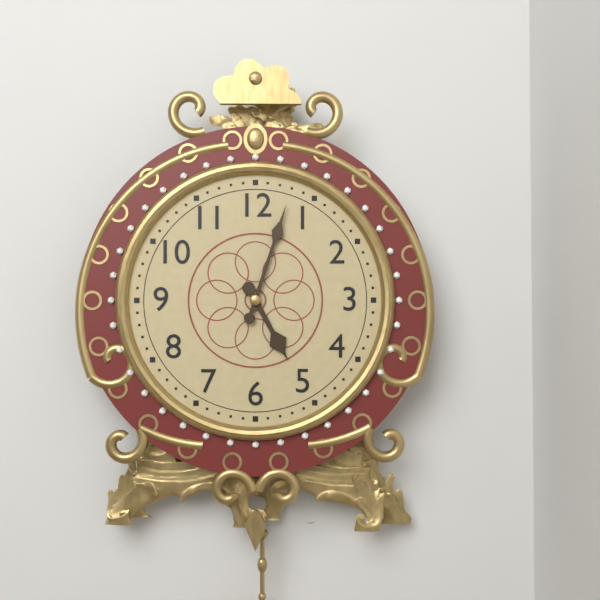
5,03
